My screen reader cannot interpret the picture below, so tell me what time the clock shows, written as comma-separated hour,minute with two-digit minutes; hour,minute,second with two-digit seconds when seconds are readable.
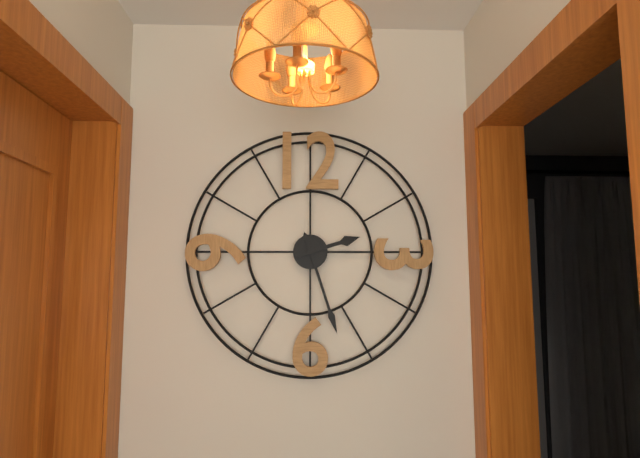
2,27
